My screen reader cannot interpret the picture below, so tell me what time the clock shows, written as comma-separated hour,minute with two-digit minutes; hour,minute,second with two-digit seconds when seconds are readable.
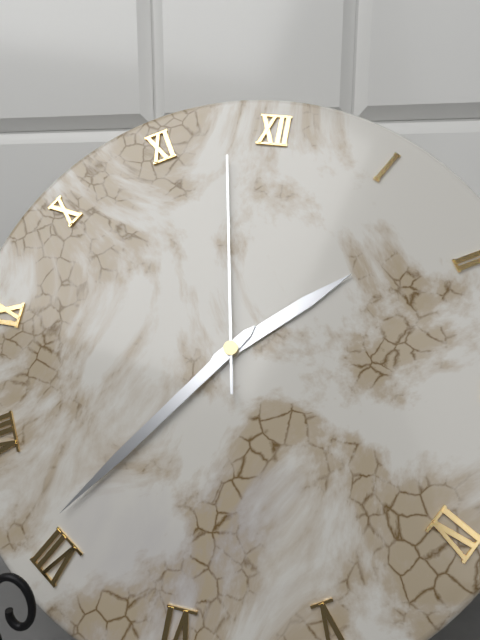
1,36,58
